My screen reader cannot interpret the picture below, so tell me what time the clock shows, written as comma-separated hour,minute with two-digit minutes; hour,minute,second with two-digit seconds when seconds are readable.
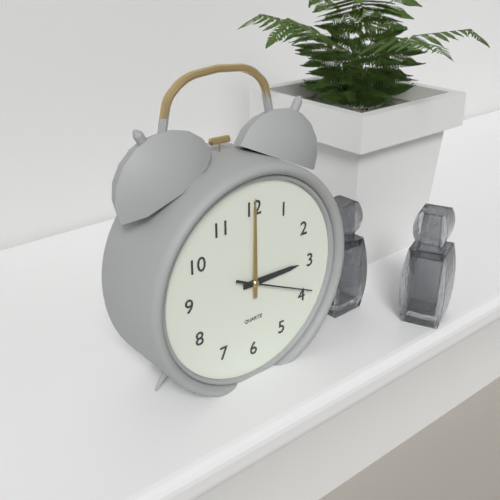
3,00,19
